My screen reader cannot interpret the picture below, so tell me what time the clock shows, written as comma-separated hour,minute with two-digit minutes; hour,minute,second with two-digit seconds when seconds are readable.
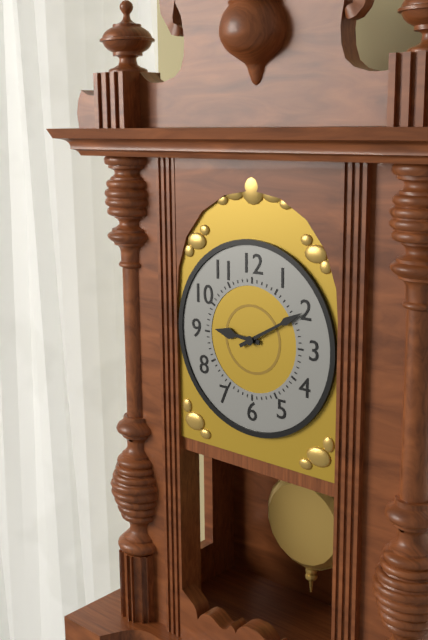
9,10
